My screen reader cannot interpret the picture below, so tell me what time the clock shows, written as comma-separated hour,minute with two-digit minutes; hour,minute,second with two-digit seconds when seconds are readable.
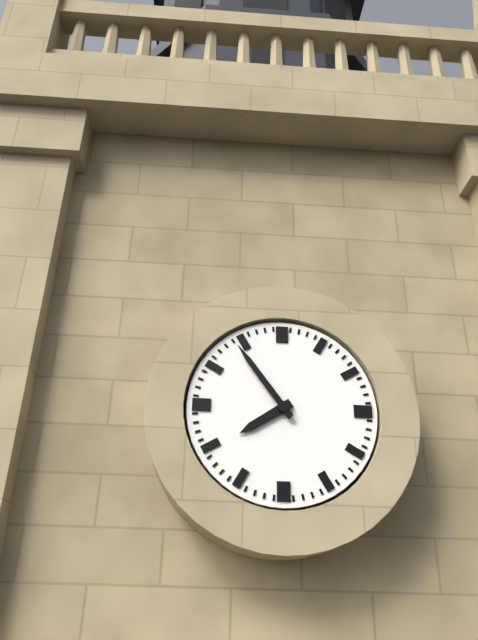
7,54
